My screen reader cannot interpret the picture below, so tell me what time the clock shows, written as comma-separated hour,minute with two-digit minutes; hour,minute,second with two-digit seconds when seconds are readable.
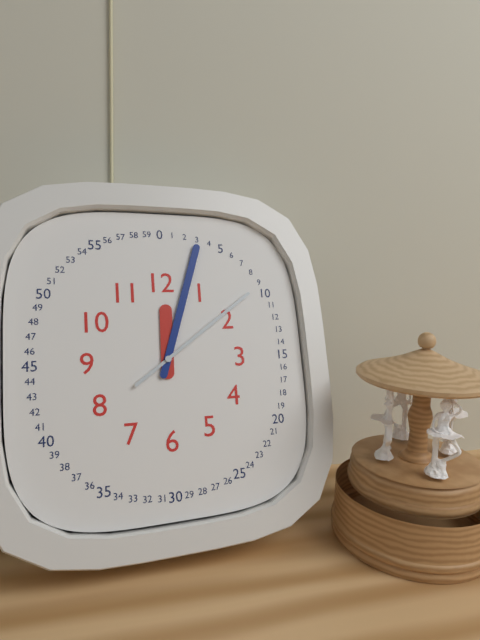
12,03,09
